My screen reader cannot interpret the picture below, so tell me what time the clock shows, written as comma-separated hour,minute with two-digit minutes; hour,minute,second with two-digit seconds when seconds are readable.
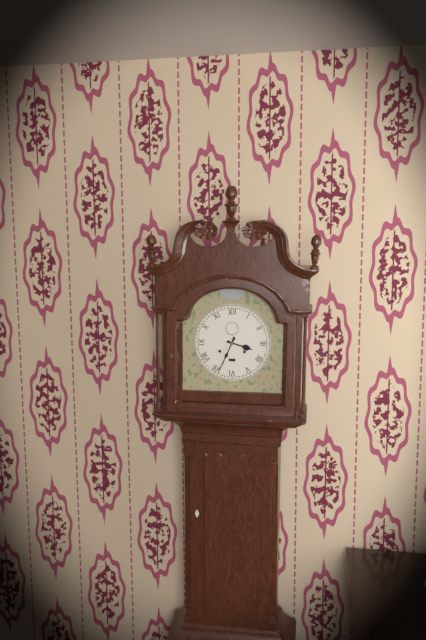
3,34
